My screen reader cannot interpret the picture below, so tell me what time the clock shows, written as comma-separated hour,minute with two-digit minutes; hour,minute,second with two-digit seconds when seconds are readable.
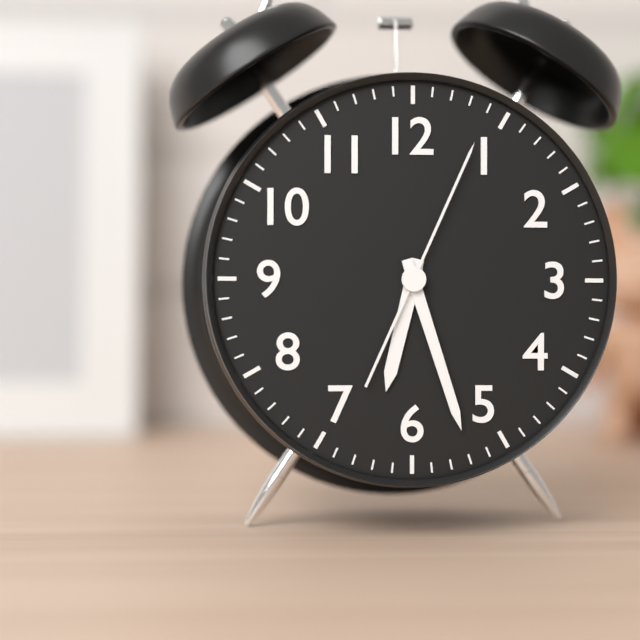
6,27,04
